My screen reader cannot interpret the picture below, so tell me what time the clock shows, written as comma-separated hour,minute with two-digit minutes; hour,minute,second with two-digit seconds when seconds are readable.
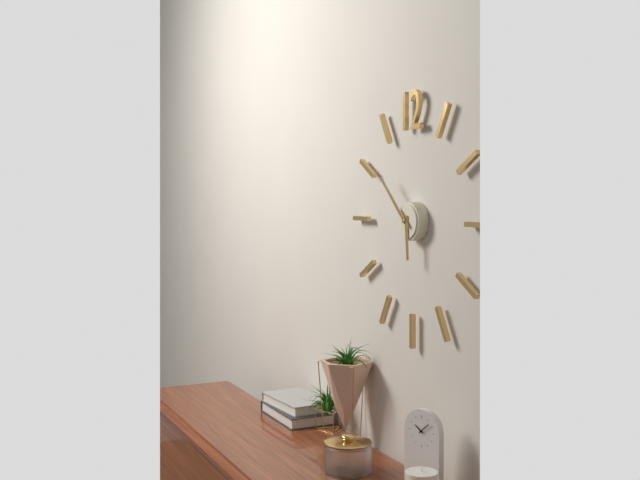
5,52
